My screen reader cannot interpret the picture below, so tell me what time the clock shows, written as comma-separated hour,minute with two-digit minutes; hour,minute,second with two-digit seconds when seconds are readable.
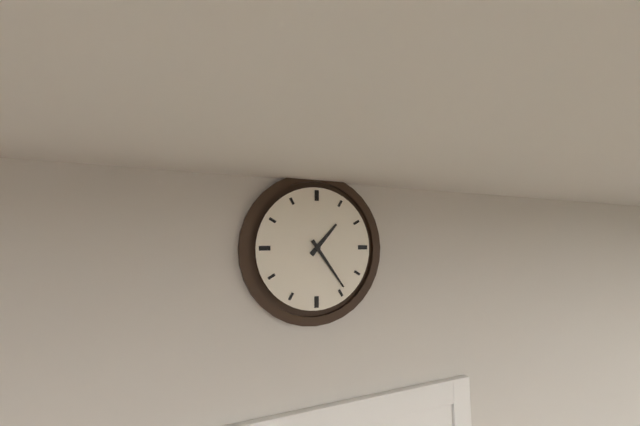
1,24
